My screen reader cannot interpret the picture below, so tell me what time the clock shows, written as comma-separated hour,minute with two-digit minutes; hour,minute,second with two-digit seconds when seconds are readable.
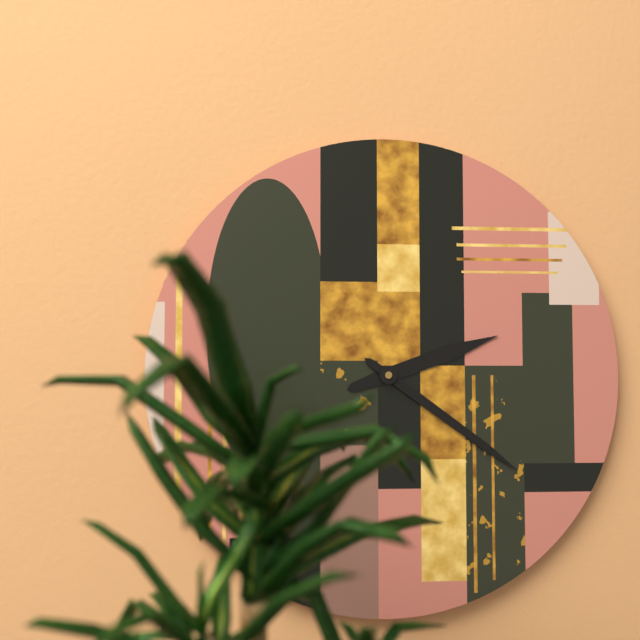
2,21
